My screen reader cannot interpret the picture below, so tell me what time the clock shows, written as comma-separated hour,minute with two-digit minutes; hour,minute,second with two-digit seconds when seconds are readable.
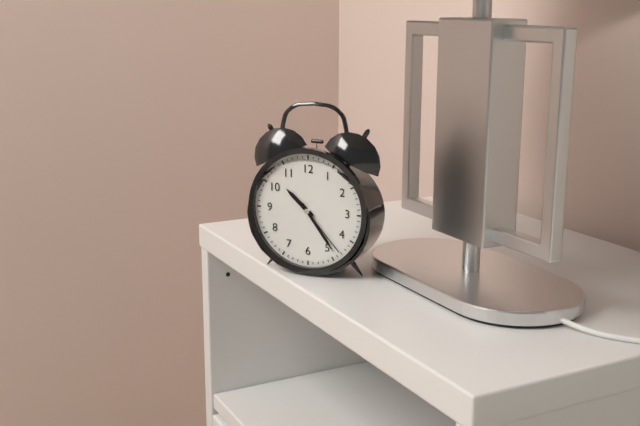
10,24,23
